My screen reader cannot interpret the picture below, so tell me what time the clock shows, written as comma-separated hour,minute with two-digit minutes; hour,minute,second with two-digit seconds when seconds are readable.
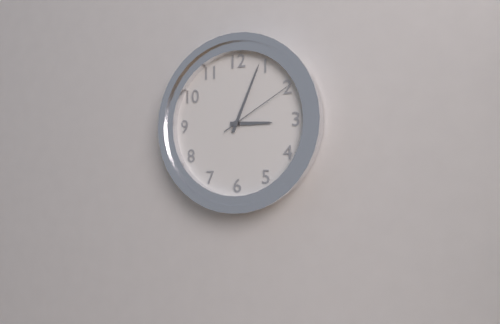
3,04,10
